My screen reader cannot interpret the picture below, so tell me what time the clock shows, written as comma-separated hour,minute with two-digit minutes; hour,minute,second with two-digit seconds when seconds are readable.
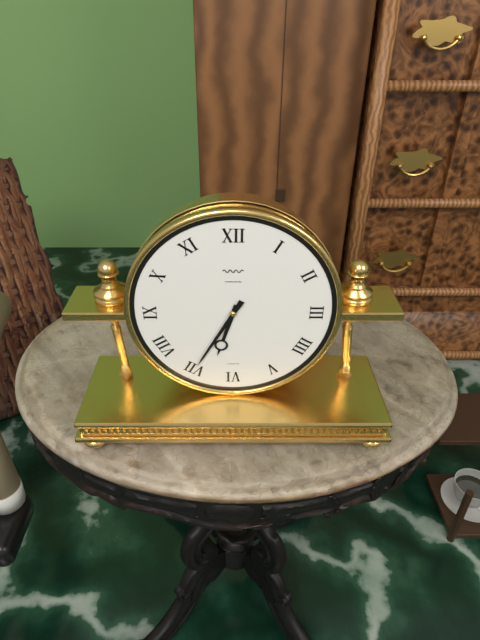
6,35
